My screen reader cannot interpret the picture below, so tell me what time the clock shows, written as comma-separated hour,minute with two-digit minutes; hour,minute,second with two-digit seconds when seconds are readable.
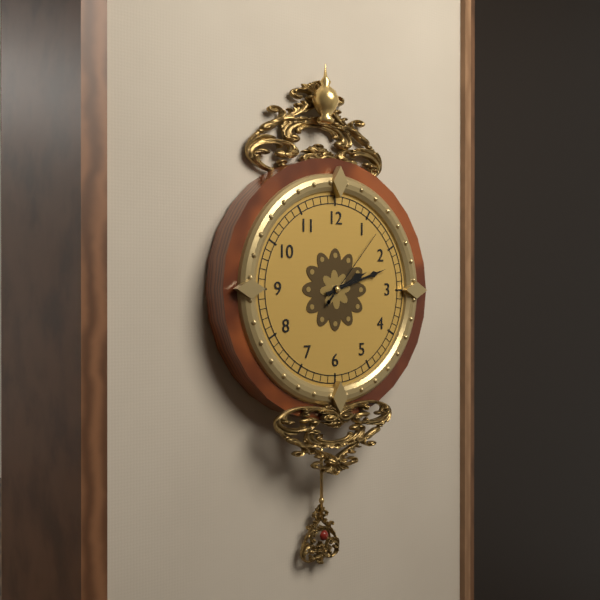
2,12,07
